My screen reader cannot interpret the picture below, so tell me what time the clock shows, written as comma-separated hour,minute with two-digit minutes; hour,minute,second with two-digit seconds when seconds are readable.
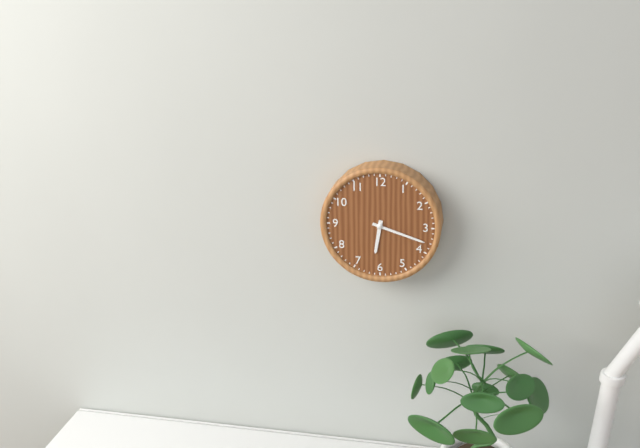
6,18
